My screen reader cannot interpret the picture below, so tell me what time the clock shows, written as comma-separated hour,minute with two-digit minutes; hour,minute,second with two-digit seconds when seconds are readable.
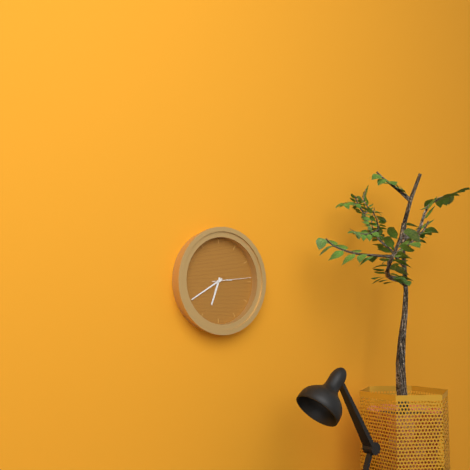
6,40
